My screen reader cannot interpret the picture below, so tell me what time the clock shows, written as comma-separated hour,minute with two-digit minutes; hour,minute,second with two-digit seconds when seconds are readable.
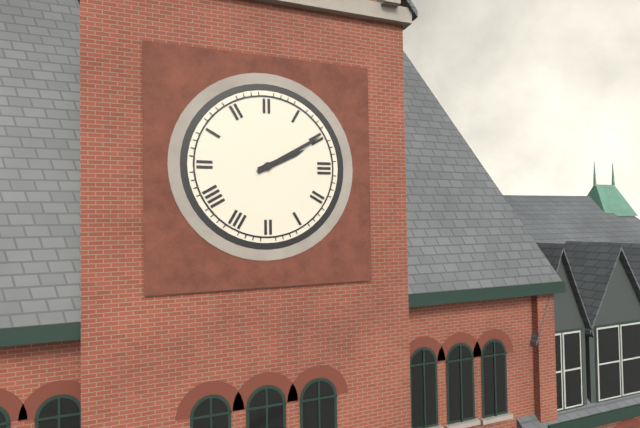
2,10
